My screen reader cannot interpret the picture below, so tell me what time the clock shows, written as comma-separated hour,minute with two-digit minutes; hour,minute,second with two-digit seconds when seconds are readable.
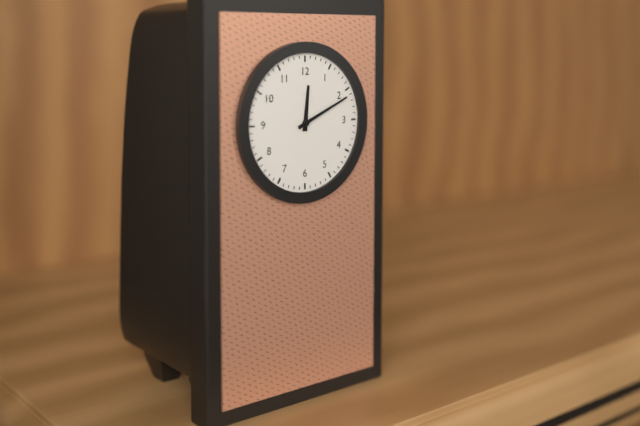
12,11
